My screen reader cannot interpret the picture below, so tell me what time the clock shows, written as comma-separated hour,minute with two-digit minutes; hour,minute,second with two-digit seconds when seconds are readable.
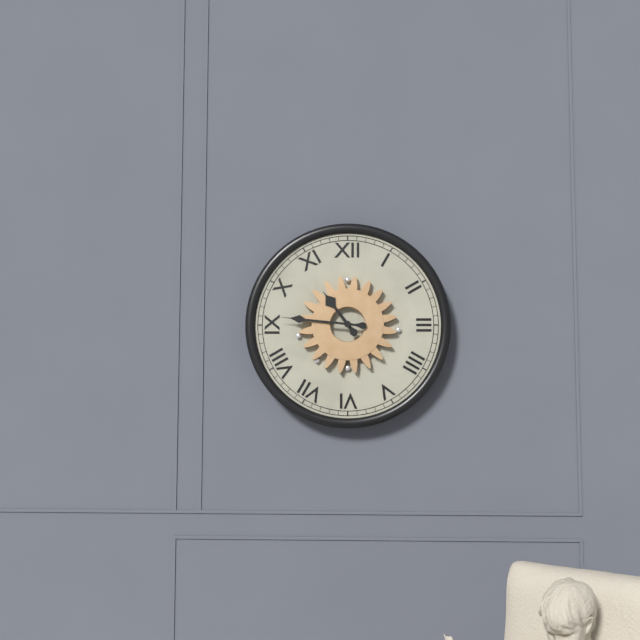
10,46
